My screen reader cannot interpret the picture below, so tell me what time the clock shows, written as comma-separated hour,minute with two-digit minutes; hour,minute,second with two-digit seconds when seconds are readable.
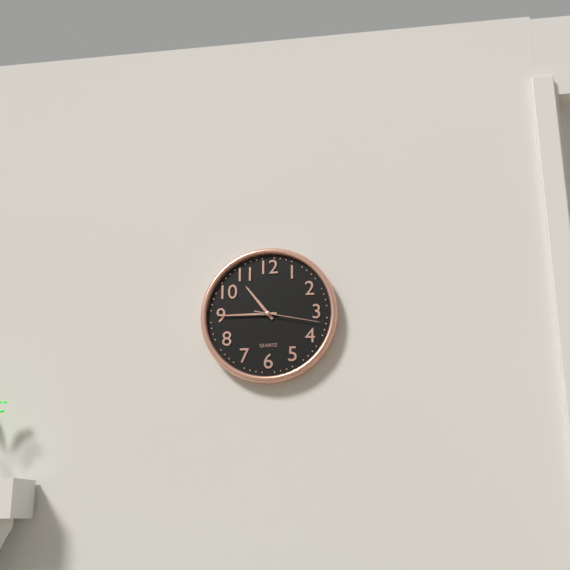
10,45,17
